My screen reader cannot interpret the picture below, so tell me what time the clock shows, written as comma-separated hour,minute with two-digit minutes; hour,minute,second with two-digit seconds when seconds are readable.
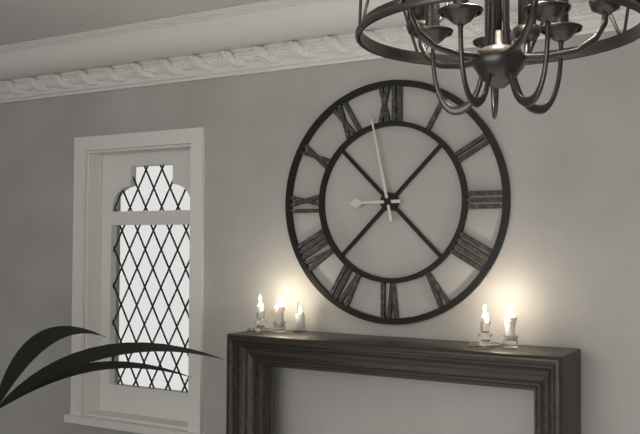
8,58
